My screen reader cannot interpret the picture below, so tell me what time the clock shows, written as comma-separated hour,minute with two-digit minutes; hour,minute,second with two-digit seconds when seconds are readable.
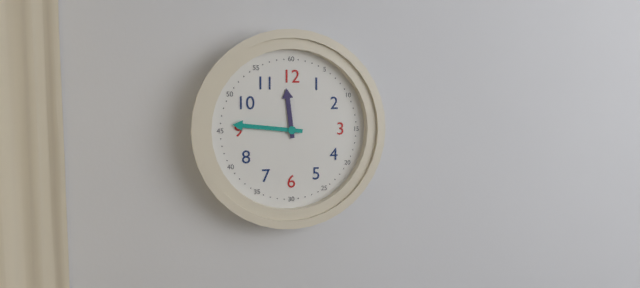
11,46
